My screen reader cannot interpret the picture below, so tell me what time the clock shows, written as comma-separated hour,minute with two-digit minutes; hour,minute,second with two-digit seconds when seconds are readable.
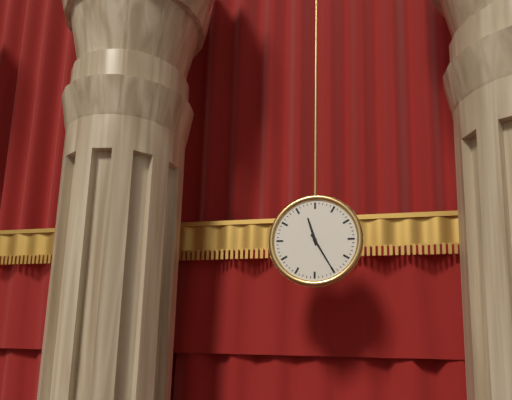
11,25
